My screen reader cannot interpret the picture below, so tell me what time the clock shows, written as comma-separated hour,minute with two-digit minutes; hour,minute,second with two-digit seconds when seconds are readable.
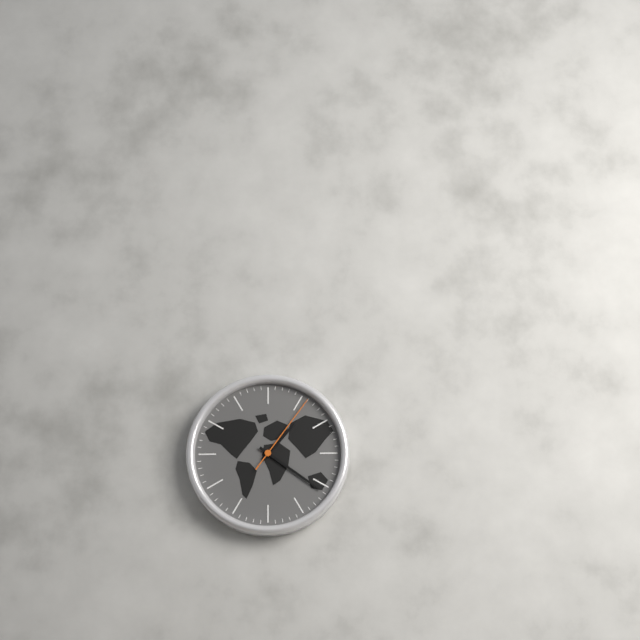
1,21,06
